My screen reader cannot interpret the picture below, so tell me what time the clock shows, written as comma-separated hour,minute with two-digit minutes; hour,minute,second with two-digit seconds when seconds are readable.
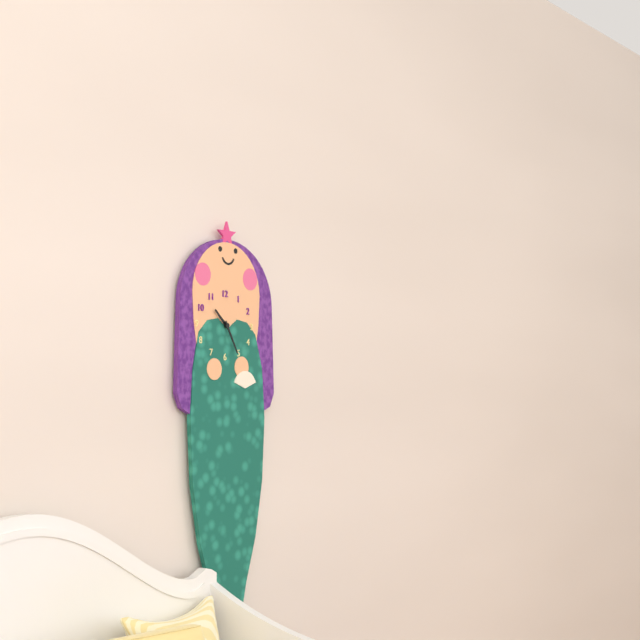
10,25
